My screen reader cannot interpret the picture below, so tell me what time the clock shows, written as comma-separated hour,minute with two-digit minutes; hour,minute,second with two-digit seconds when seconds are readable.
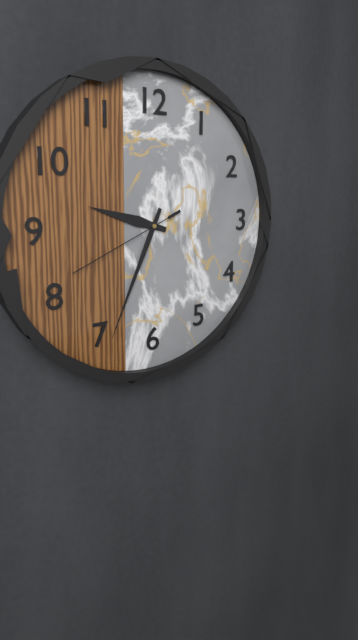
9,34,41
